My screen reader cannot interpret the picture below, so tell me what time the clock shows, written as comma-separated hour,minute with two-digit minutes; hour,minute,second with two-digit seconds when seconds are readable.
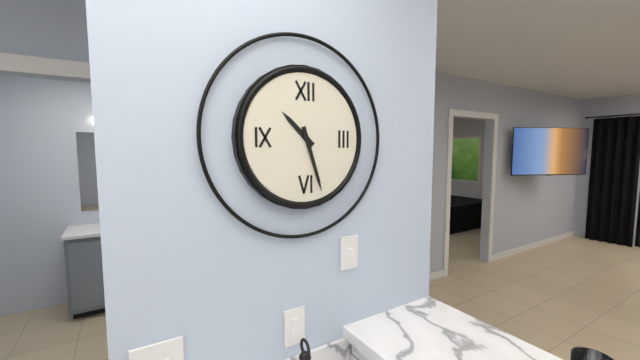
10,27
